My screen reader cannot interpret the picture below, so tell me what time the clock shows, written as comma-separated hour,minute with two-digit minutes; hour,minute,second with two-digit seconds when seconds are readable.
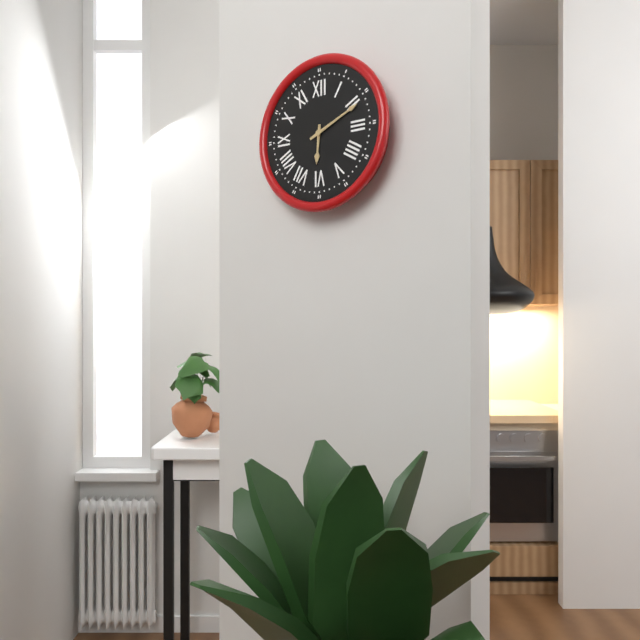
6,11
